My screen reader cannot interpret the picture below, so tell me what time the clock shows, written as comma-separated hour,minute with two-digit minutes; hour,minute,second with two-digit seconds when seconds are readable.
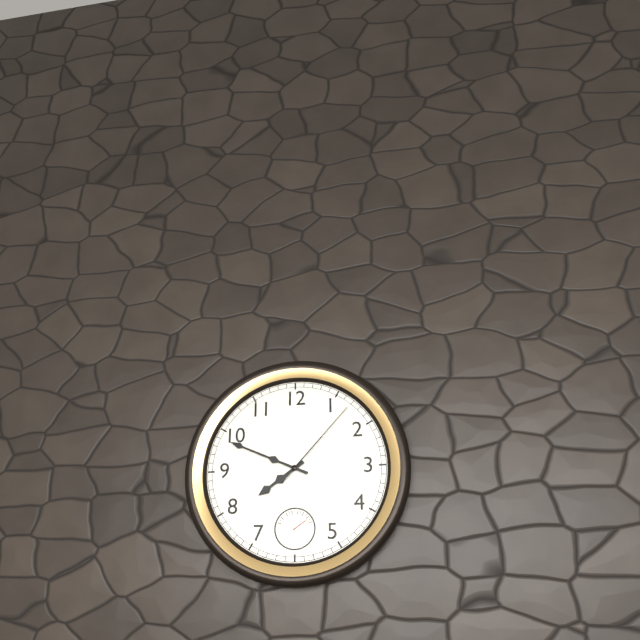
7,49,07
